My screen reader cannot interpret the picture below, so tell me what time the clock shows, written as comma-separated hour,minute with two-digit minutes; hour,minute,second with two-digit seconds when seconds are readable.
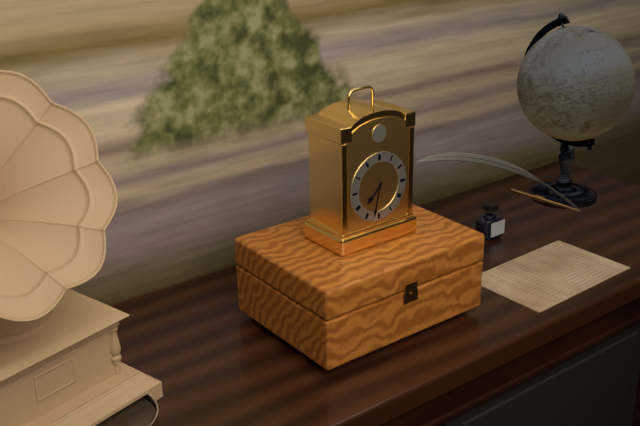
7,32
